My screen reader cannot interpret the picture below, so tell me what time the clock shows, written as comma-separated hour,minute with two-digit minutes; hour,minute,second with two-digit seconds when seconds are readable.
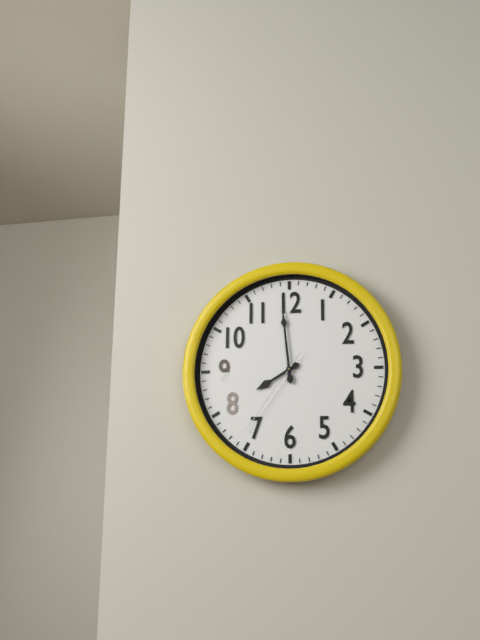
7,59,36
